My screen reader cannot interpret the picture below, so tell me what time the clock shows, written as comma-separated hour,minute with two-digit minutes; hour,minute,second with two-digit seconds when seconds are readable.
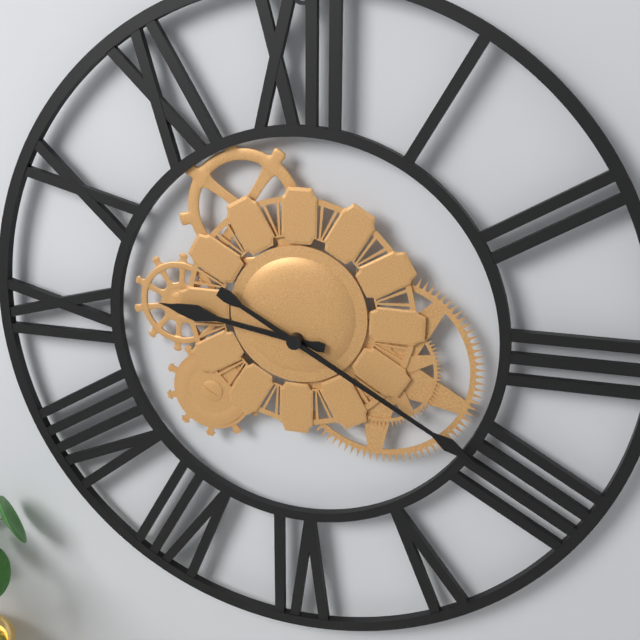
9,20
